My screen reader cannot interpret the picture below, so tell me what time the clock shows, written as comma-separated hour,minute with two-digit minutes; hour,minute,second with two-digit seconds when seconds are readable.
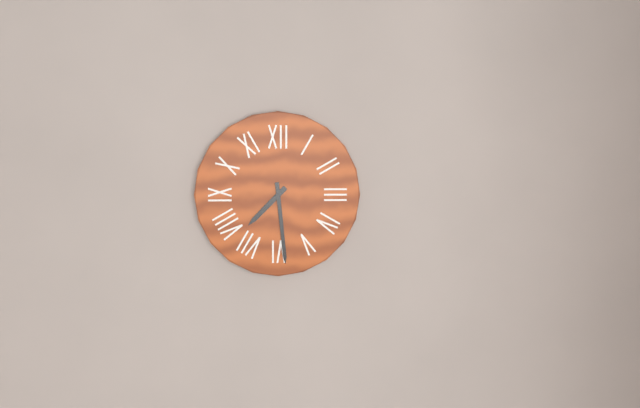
7,29
